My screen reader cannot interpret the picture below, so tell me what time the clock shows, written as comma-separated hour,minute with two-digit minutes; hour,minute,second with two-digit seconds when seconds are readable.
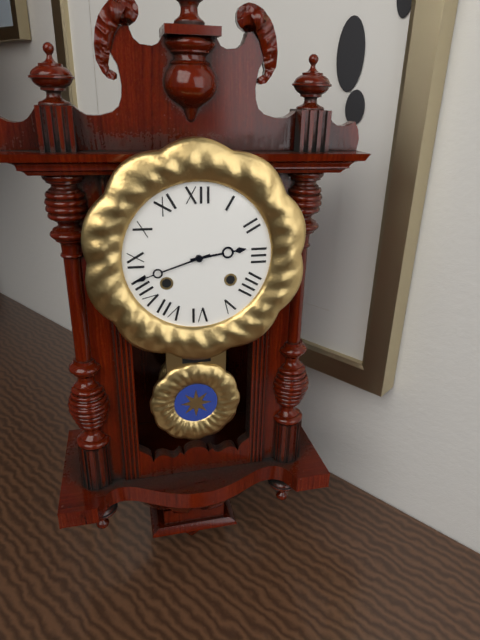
2,42
